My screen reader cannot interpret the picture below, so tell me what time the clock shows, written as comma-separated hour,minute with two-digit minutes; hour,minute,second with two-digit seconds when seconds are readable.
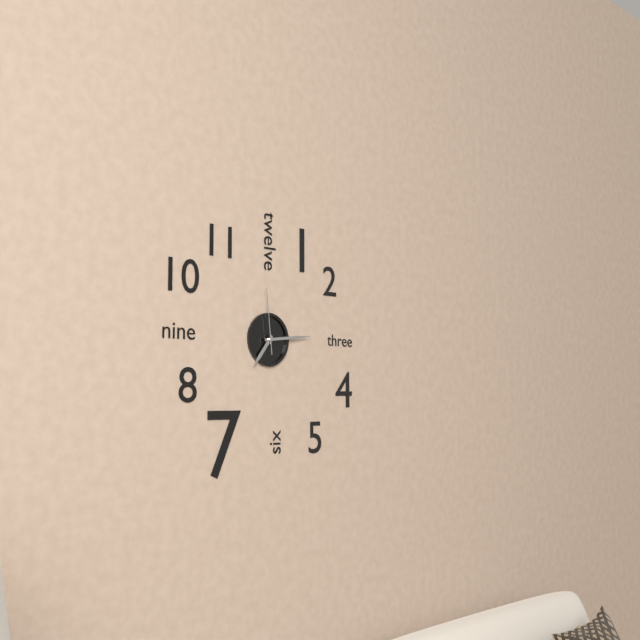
7,14,59
